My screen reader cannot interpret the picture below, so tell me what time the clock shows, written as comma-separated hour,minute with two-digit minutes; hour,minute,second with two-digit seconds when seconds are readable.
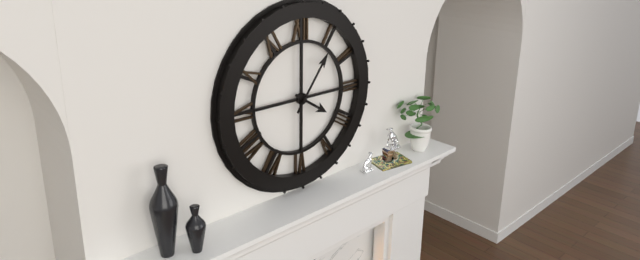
4,06
